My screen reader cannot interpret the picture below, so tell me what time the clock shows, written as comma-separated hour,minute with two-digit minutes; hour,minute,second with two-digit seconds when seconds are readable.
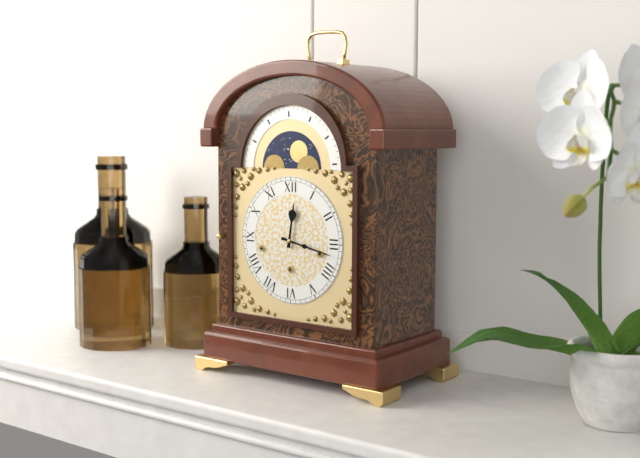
12,17
